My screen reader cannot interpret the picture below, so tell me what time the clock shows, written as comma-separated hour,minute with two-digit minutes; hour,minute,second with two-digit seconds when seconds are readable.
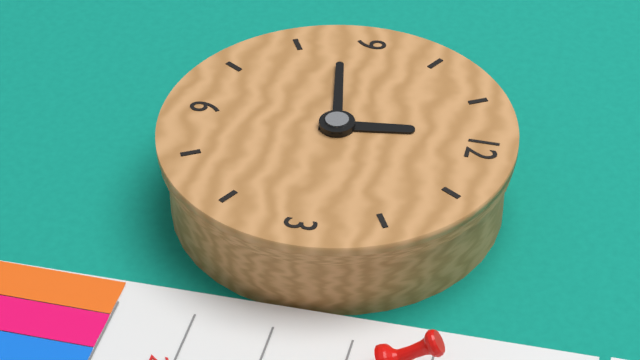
11,43
